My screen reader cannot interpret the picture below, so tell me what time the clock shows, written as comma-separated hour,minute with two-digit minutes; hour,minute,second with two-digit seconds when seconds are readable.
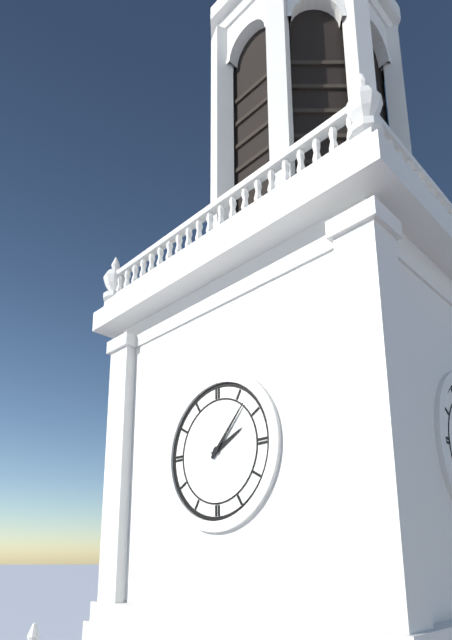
2,07
